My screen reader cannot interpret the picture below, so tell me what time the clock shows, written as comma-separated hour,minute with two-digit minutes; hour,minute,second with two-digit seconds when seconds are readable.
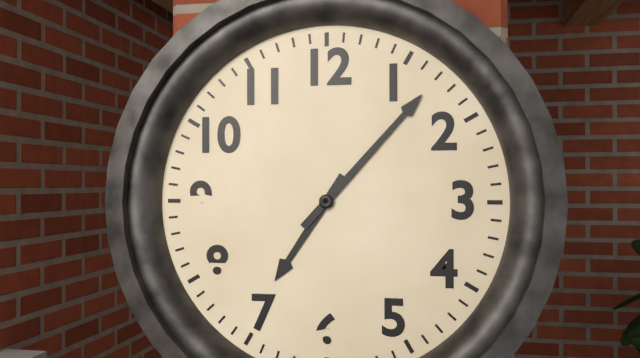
7,07
